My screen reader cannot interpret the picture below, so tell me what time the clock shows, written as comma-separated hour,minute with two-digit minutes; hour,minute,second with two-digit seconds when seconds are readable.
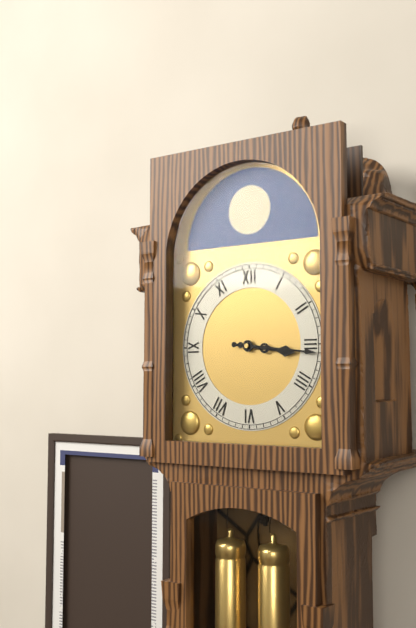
3,16
